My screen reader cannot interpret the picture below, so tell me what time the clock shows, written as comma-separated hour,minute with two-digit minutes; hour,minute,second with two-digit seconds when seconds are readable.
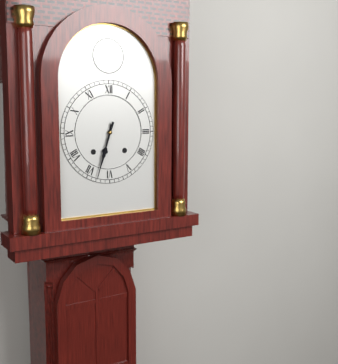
6,33
